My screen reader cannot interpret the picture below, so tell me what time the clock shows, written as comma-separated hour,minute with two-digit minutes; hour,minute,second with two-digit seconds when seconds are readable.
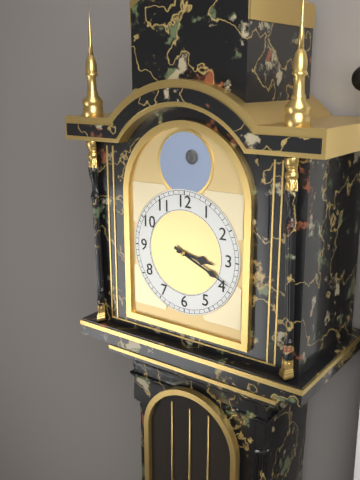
3,19
